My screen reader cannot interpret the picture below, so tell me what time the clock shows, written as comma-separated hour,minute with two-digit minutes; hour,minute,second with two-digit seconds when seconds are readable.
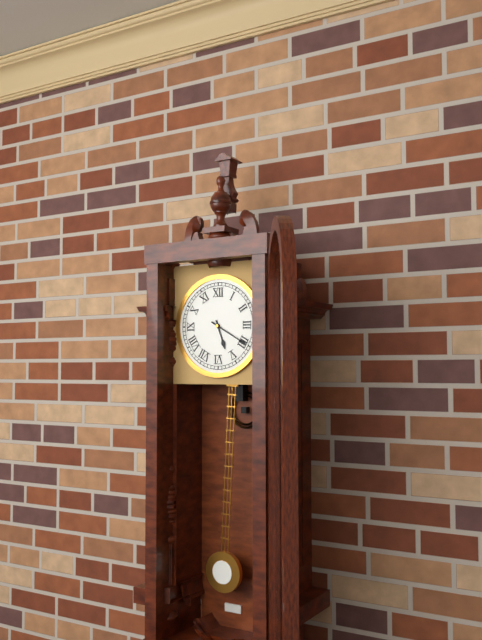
5,20
